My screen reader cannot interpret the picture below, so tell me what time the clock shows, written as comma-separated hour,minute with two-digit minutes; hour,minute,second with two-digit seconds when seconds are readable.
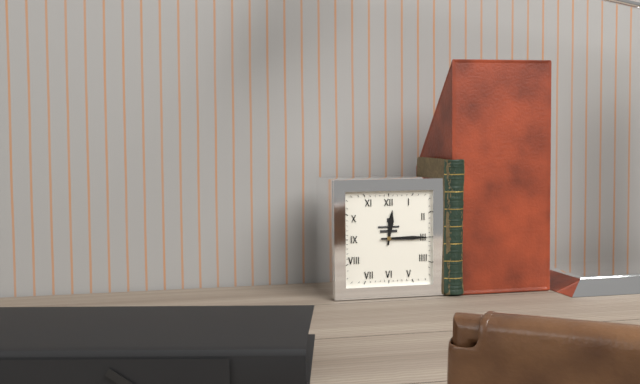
12,15
